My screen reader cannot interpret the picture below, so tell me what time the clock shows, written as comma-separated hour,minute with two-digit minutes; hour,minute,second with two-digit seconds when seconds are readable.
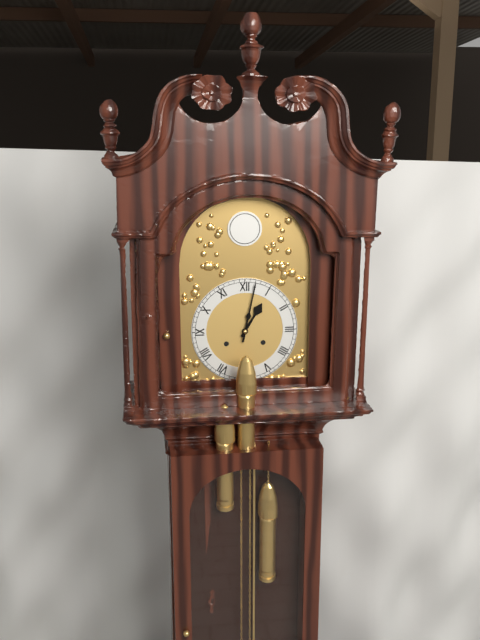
1,02
